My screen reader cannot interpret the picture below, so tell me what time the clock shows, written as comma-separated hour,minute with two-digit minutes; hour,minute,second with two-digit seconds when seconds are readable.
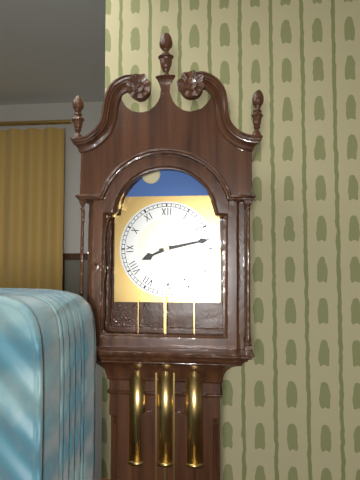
8,13
